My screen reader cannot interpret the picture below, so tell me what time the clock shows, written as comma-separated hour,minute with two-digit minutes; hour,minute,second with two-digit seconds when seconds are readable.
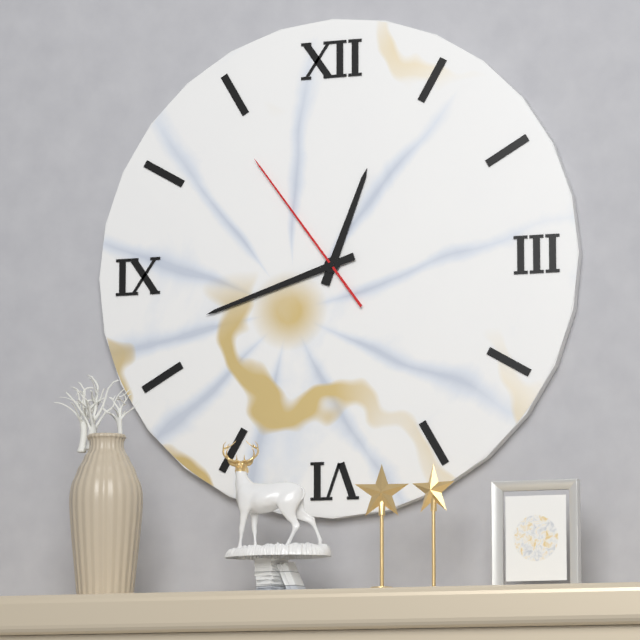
12,42,54
